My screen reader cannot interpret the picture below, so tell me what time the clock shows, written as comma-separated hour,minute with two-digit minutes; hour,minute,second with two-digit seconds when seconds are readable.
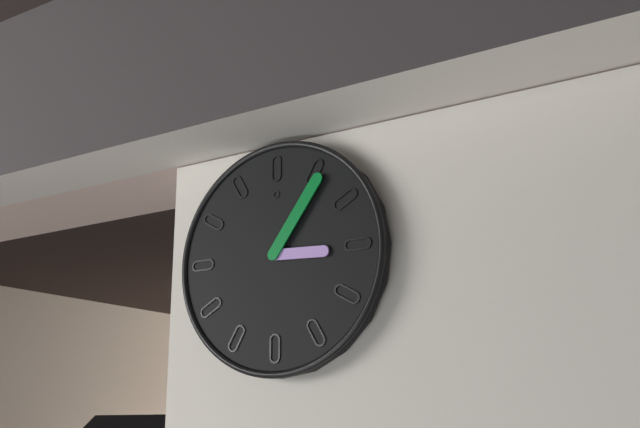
3,06
